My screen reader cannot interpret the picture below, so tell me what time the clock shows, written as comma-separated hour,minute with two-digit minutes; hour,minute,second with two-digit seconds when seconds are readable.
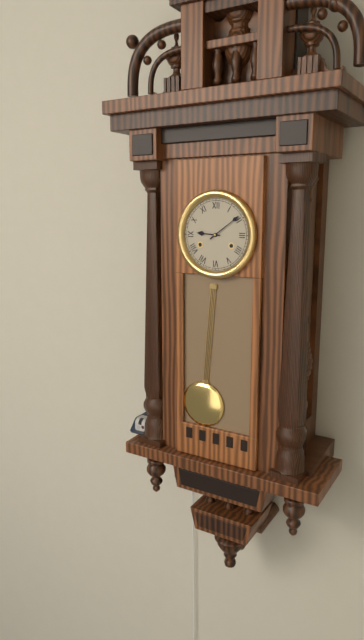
9,09
